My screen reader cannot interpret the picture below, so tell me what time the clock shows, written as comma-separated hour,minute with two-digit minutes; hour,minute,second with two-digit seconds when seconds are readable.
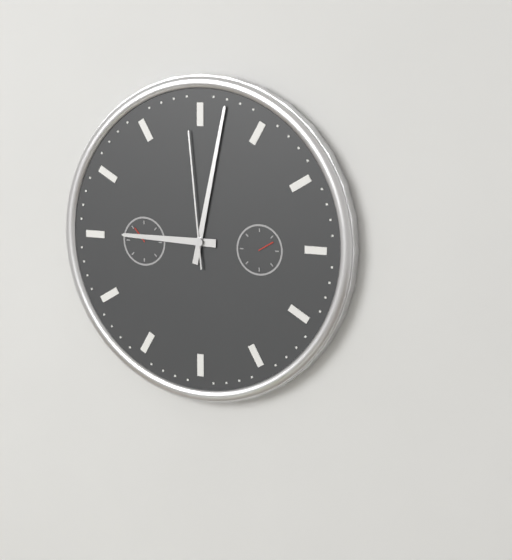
9,02,59
